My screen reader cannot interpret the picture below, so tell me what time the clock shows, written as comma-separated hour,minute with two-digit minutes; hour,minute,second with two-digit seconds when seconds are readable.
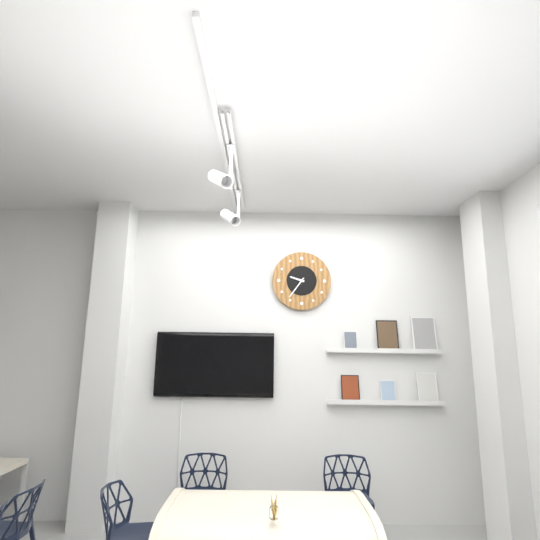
9,36
